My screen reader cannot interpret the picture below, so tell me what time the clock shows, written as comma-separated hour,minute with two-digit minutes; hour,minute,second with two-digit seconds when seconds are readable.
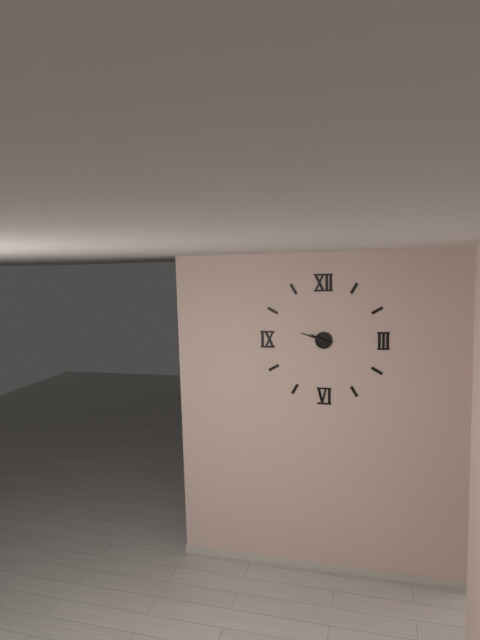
9,48
